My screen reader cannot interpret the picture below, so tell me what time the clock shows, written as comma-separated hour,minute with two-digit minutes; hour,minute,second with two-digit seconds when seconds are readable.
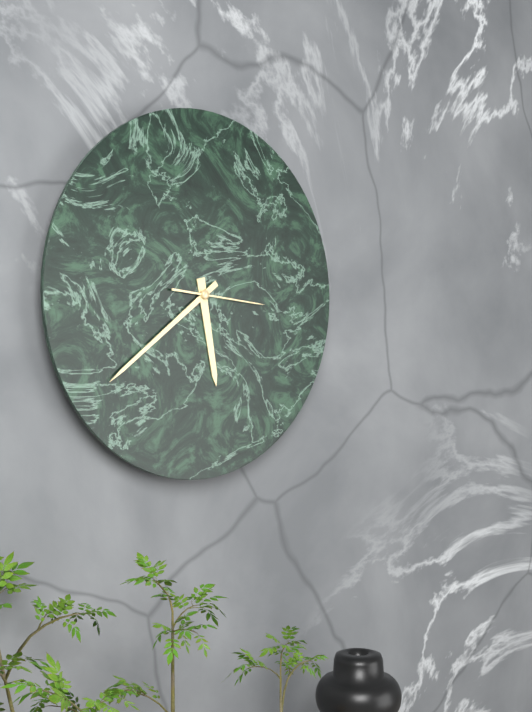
5,39,16
